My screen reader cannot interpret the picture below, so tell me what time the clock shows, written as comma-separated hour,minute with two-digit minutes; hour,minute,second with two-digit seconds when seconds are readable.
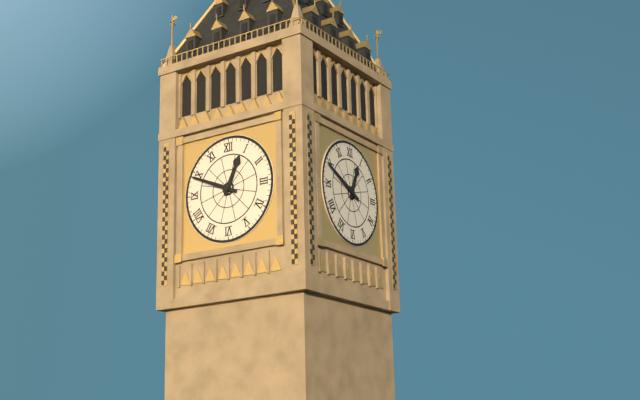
12,49
